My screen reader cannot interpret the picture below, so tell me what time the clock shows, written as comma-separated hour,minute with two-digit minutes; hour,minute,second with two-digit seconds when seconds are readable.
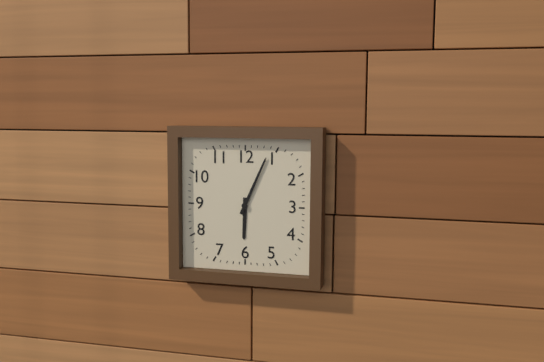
6,04
